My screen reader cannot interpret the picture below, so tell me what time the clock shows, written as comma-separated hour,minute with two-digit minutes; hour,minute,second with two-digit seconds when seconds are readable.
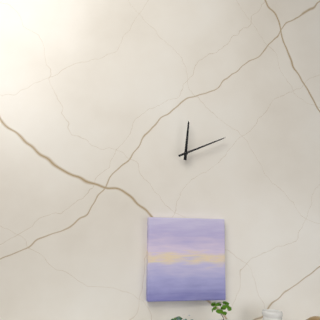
12,11
